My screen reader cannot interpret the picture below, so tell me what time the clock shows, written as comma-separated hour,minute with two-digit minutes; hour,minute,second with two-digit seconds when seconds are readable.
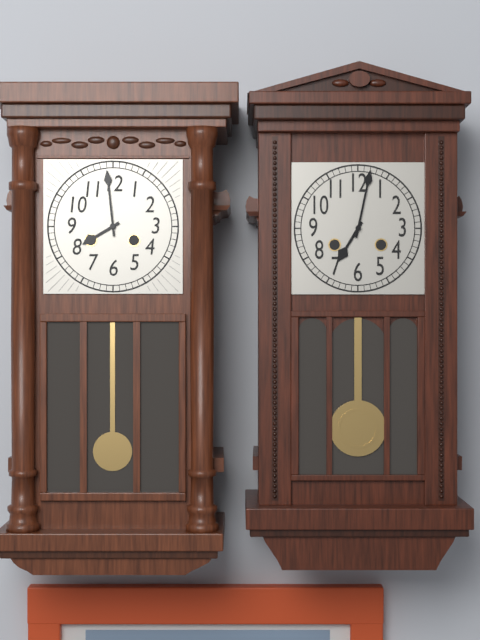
7,59
